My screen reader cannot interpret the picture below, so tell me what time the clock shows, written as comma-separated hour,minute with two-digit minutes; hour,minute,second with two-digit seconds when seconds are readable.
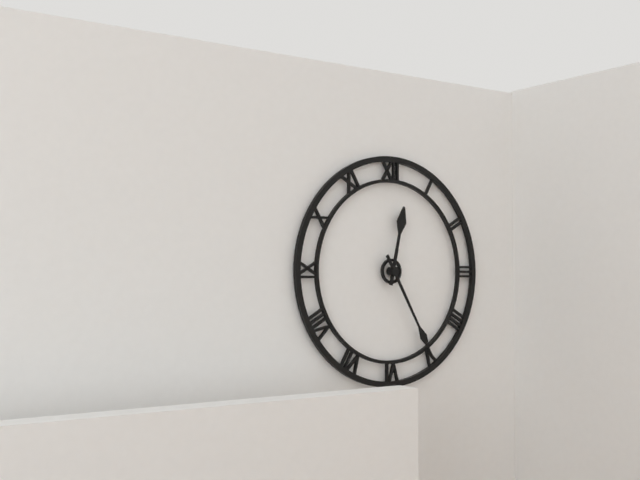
12,25
